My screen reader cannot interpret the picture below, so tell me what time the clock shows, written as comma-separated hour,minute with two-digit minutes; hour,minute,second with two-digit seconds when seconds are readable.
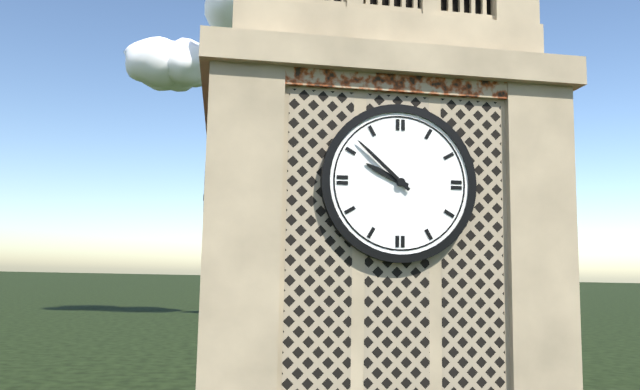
9,52
